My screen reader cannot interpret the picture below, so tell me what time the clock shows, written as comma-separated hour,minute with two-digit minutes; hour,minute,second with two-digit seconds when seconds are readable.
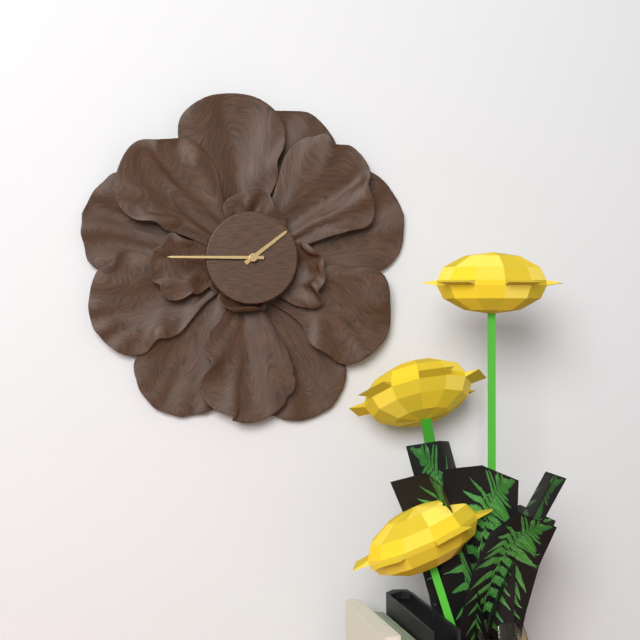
1,45
